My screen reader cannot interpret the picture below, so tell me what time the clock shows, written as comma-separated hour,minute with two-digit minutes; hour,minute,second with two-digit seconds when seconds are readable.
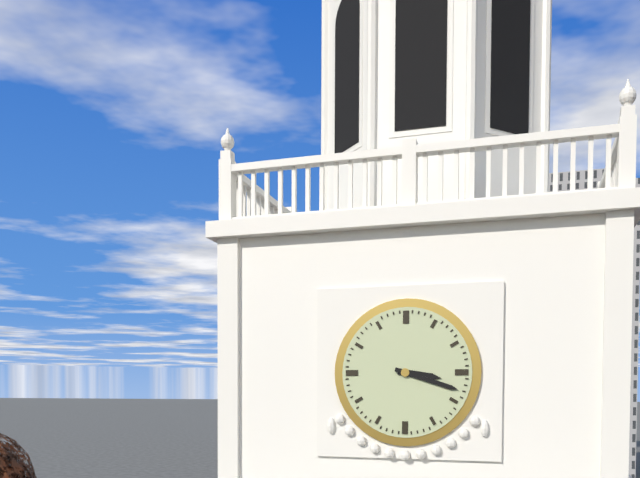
3,18
